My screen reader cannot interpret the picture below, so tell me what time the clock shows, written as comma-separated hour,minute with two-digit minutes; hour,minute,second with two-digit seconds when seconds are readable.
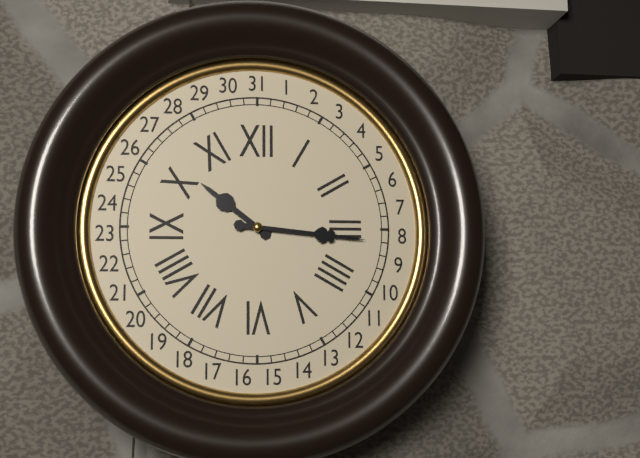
10,16
